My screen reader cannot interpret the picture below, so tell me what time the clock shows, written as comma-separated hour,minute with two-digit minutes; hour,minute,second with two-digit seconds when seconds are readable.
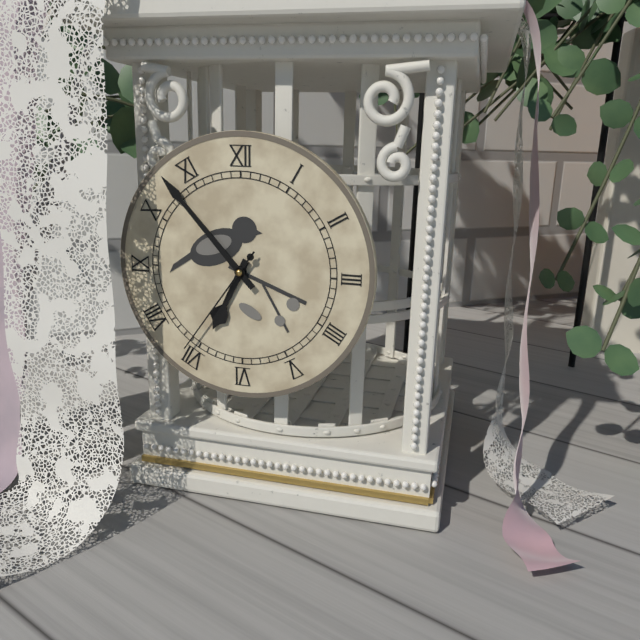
6,53,36
